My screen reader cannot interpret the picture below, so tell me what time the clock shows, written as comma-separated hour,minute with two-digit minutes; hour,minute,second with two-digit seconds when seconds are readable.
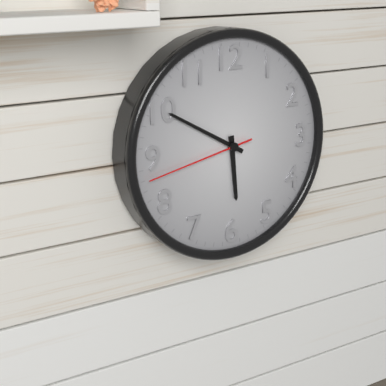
5,50,43
